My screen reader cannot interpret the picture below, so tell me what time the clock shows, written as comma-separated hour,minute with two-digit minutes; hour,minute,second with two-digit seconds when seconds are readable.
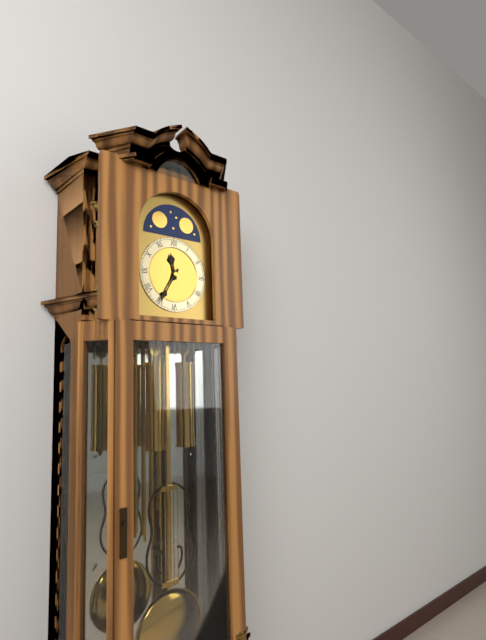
11,35
